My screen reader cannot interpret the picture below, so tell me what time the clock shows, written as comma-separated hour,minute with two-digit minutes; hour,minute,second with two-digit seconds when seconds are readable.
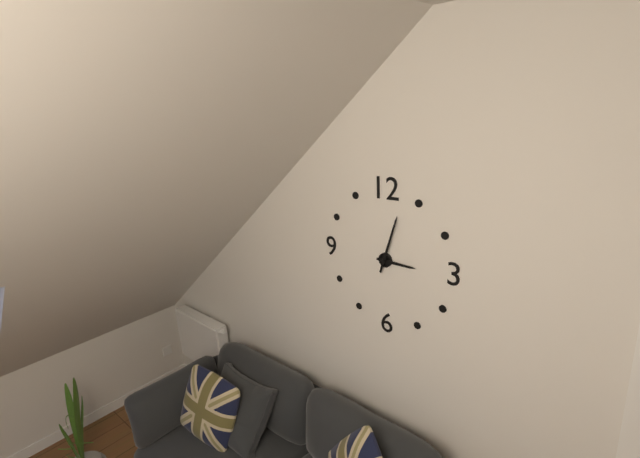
3,03
